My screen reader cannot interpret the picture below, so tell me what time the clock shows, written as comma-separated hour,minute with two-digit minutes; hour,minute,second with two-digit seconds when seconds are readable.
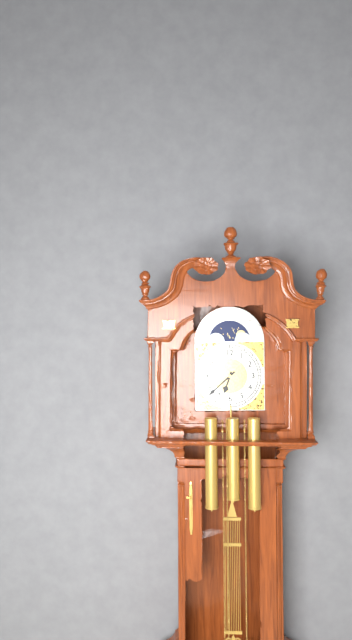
6,38
